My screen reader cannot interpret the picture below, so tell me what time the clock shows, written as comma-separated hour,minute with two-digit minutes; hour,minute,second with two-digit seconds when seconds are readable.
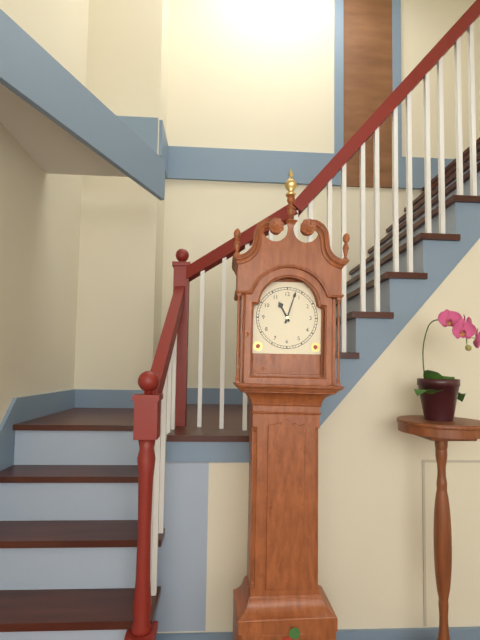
11,03
